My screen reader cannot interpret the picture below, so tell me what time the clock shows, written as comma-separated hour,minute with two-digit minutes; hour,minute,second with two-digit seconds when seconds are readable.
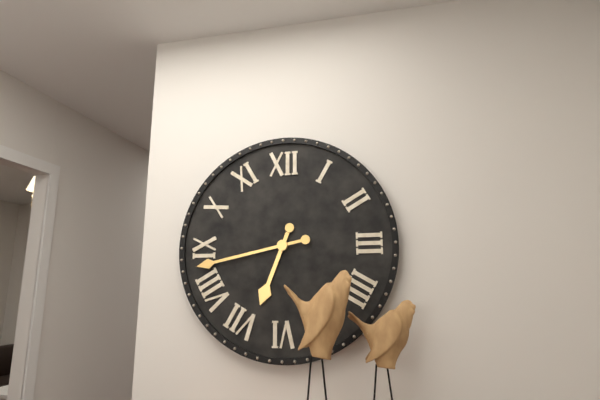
6,43
